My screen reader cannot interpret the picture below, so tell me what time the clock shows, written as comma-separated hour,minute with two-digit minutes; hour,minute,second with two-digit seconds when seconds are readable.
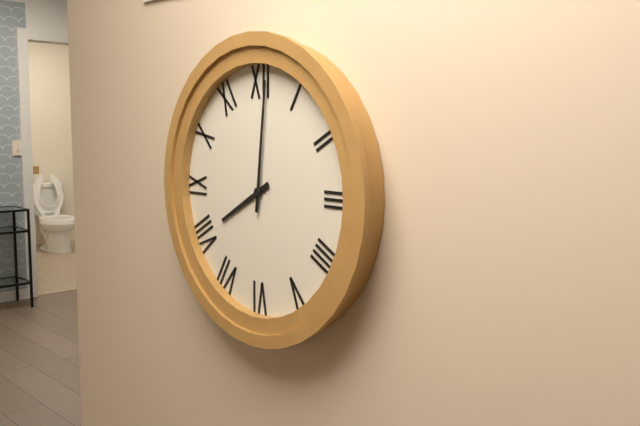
8,01
